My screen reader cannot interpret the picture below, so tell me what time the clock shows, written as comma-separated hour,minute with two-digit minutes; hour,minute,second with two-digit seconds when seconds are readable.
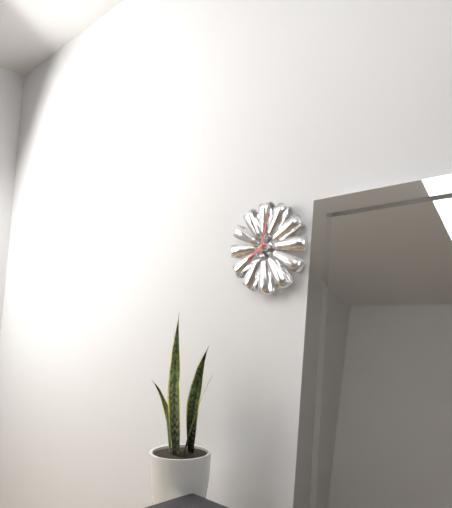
8,02
